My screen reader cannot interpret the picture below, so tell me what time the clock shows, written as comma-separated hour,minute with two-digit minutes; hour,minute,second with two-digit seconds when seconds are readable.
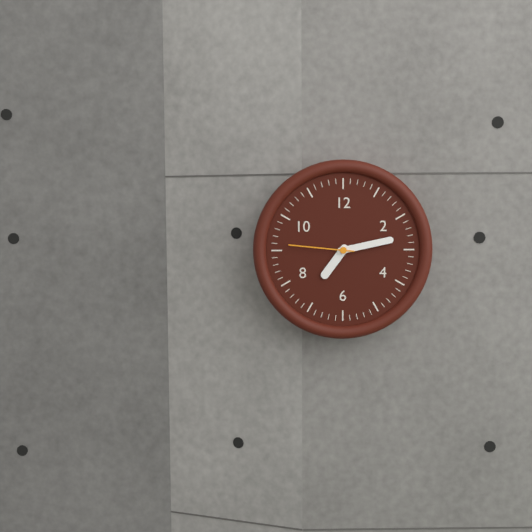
7,13,46
